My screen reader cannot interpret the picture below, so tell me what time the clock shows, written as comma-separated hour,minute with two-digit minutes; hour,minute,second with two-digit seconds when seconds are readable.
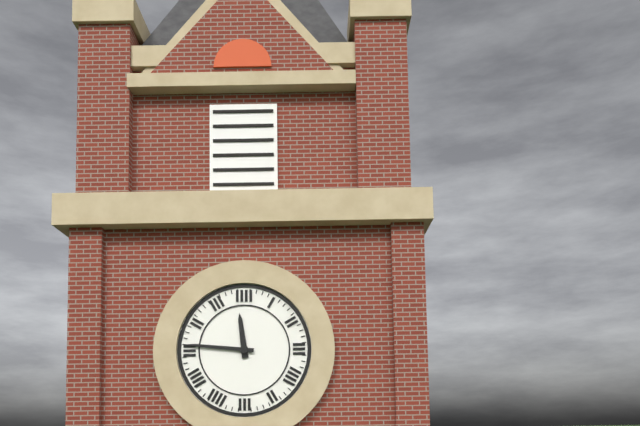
11,46
